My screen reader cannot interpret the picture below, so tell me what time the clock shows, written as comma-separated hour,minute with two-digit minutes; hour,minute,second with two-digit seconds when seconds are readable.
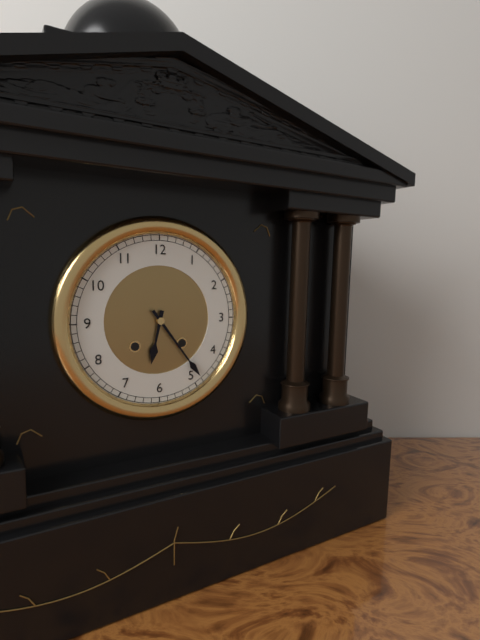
6,24
